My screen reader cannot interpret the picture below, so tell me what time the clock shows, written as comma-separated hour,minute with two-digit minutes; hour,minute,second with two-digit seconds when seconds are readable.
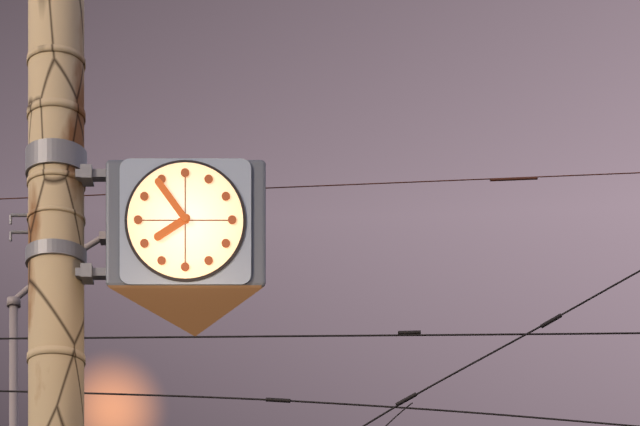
7,54
